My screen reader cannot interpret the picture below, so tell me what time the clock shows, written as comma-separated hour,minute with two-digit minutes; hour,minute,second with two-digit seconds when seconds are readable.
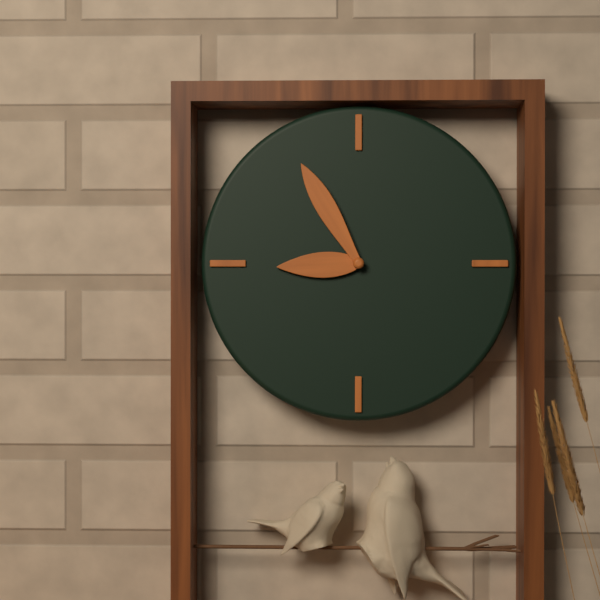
8,55
